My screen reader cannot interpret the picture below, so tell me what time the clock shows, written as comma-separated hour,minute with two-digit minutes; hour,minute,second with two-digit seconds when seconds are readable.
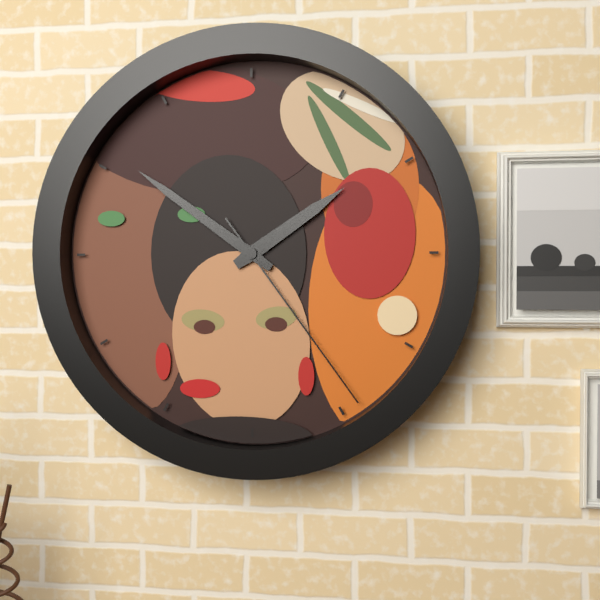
1,51,24
